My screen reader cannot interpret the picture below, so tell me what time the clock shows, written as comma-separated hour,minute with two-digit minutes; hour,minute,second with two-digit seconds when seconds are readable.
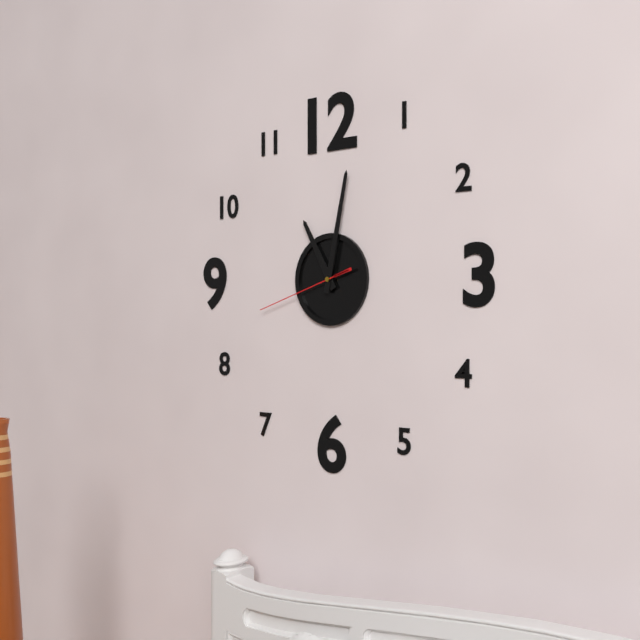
11,02,42
